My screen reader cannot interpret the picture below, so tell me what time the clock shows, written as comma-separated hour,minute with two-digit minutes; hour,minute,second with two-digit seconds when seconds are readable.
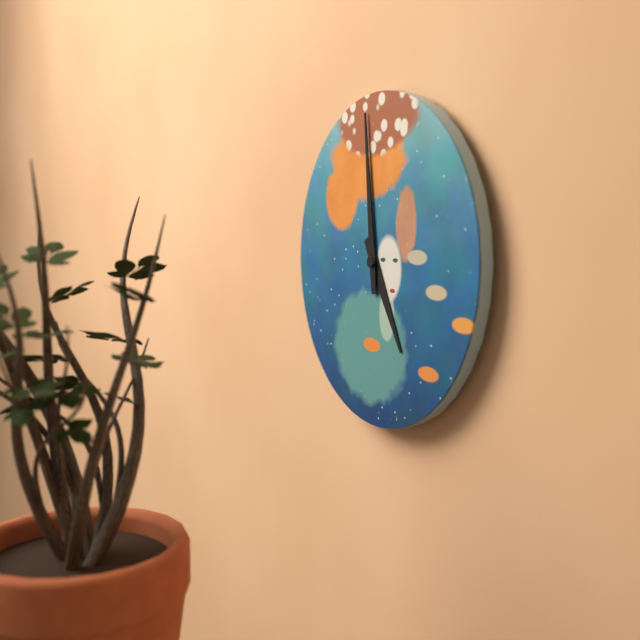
4,59
